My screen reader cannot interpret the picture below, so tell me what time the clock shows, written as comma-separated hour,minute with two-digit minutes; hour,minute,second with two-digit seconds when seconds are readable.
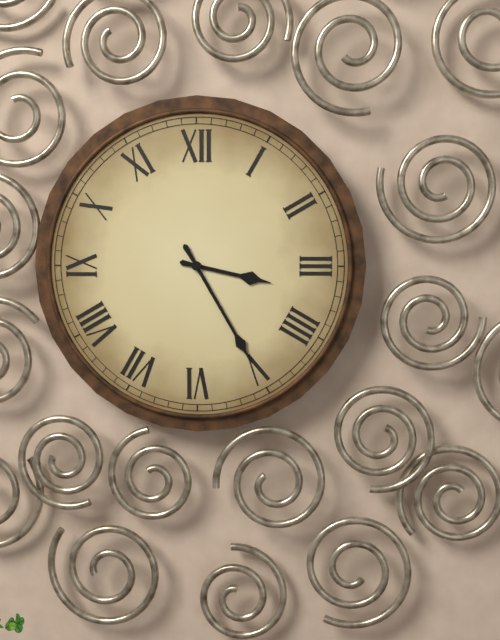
3,25
